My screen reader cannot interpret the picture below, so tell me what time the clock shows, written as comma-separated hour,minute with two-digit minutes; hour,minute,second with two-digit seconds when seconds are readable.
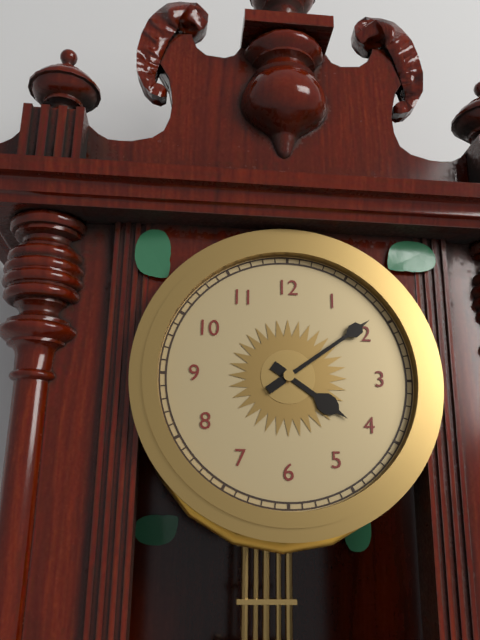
4,09
